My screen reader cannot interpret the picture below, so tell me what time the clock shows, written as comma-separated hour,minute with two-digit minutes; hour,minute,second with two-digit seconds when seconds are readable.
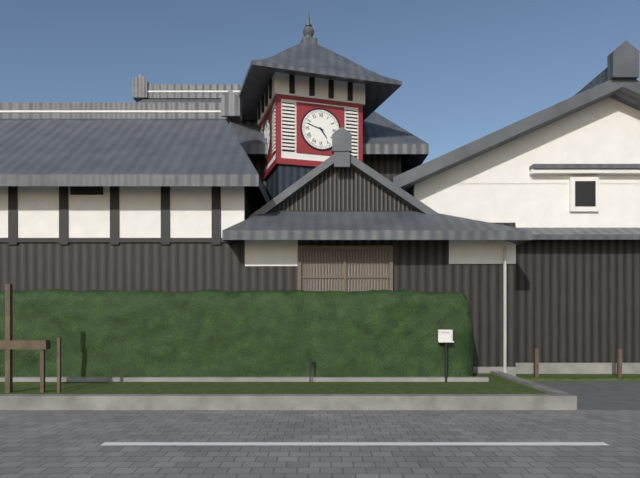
4,48
